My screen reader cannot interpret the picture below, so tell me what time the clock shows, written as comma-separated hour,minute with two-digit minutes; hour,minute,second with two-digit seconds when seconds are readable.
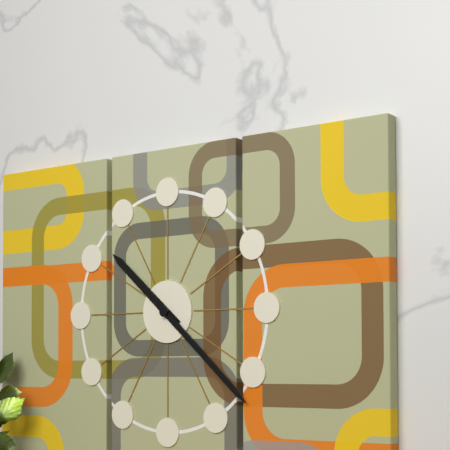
10,22
